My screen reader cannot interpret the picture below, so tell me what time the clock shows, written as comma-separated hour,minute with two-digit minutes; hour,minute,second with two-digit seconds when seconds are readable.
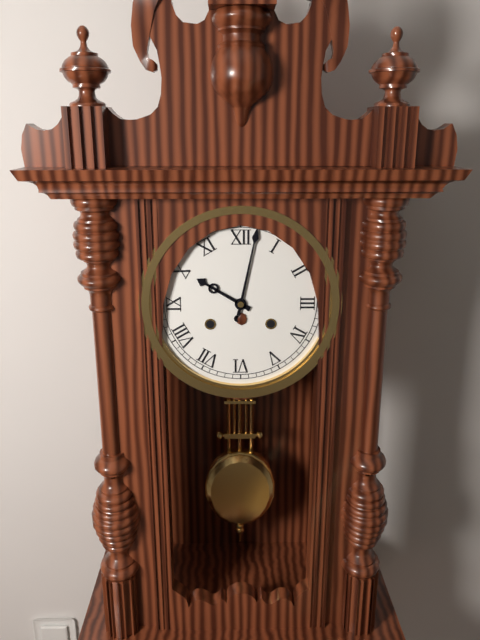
10,02
